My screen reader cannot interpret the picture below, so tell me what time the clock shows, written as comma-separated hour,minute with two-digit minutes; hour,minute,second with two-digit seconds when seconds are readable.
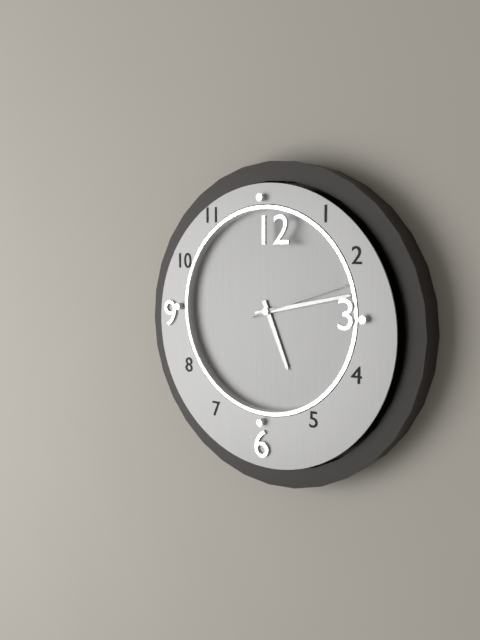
5,13,12
